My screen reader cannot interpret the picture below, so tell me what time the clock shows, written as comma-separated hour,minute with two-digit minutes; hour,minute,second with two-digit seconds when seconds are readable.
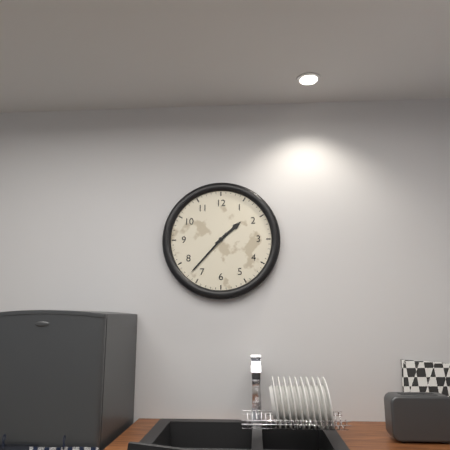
1,37
